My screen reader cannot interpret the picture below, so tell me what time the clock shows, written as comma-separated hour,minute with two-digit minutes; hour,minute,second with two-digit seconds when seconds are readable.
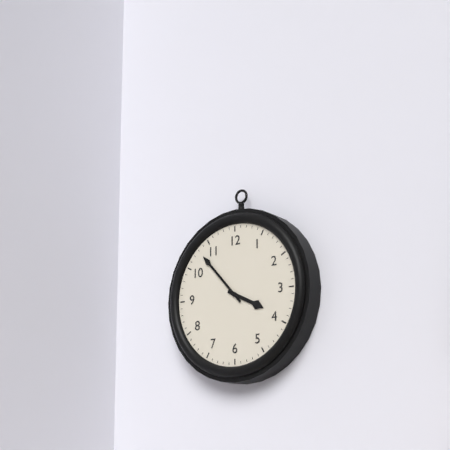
3,53
